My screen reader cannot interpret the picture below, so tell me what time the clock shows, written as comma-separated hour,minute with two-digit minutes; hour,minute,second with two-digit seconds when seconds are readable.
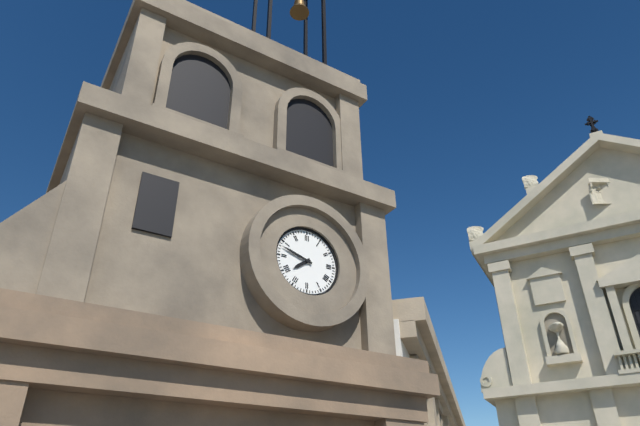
7,48
